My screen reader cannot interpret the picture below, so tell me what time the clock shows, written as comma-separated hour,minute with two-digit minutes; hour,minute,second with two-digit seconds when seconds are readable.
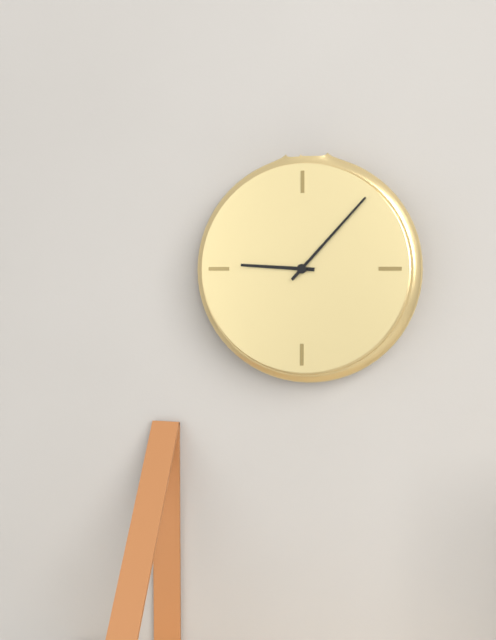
9,07
